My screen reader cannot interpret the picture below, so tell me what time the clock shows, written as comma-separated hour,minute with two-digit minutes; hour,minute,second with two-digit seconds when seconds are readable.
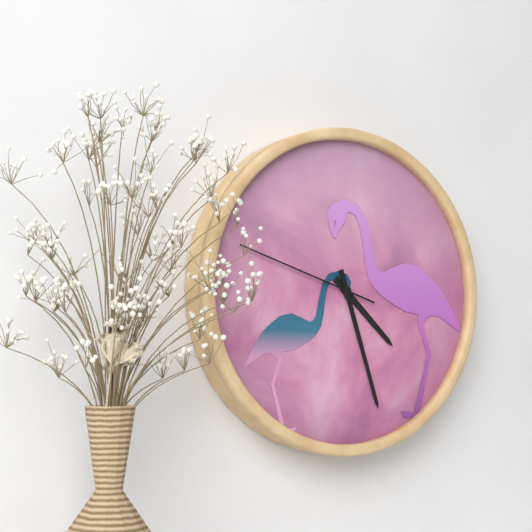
4,27,48
